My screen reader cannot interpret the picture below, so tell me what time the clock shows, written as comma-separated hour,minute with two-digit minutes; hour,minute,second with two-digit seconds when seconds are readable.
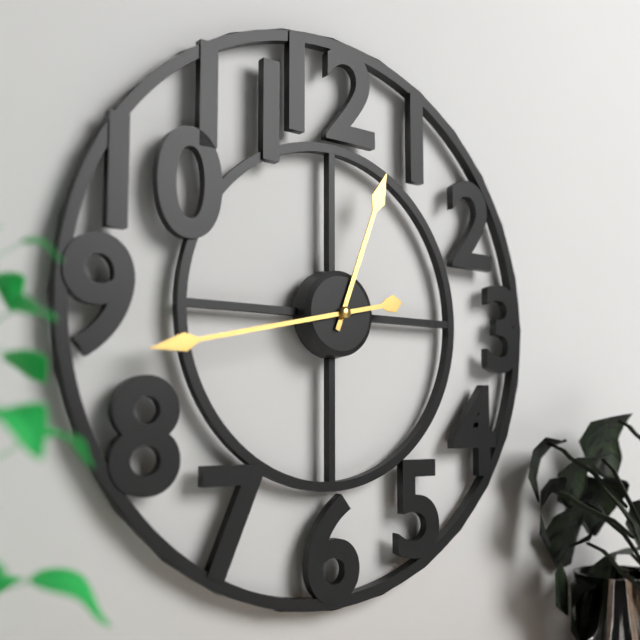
12,43
